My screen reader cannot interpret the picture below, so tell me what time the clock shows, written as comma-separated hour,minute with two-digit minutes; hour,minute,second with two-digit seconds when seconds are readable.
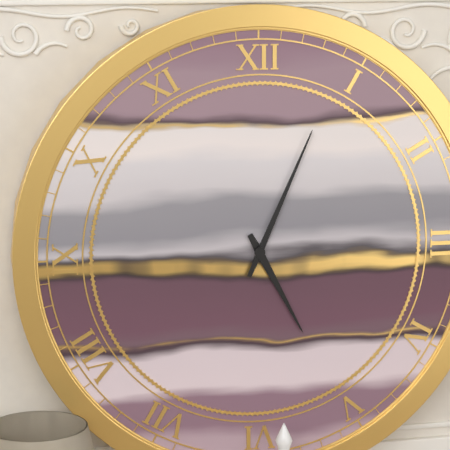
5,04
